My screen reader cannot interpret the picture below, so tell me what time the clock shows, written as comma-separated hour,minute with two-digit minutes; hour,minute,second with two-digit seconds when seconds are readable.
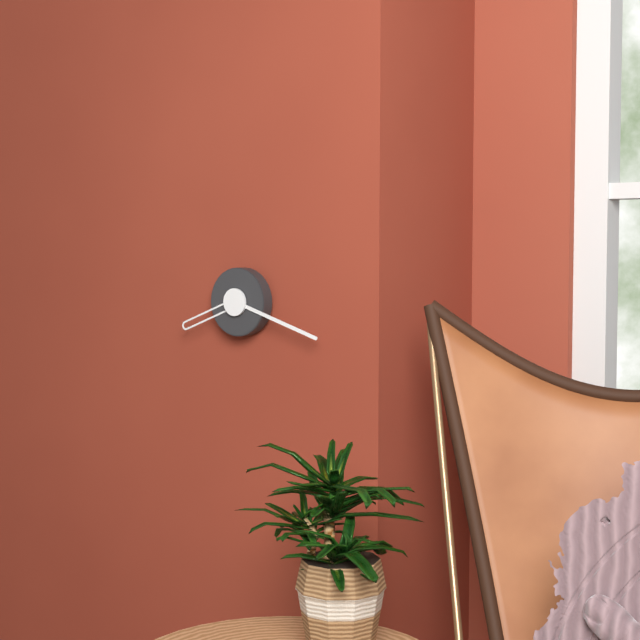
8,18
